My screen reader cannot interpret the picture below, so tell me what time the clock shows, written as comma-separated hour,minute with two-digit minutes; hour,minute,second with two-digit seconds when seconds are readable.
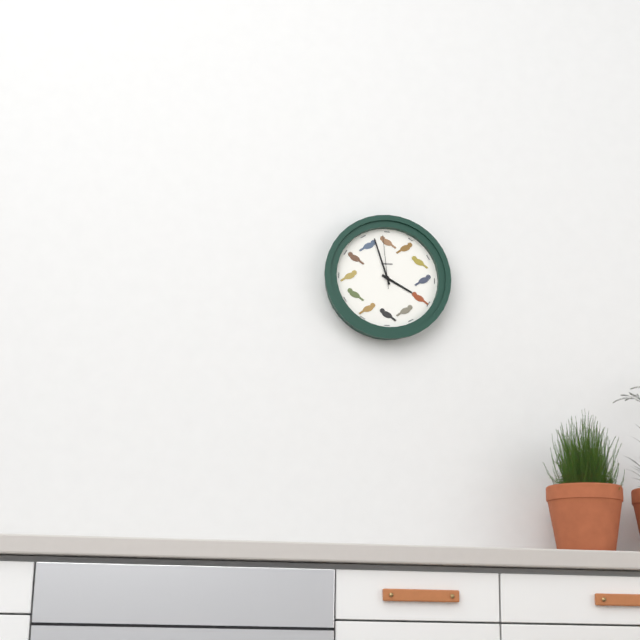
3,57,59
